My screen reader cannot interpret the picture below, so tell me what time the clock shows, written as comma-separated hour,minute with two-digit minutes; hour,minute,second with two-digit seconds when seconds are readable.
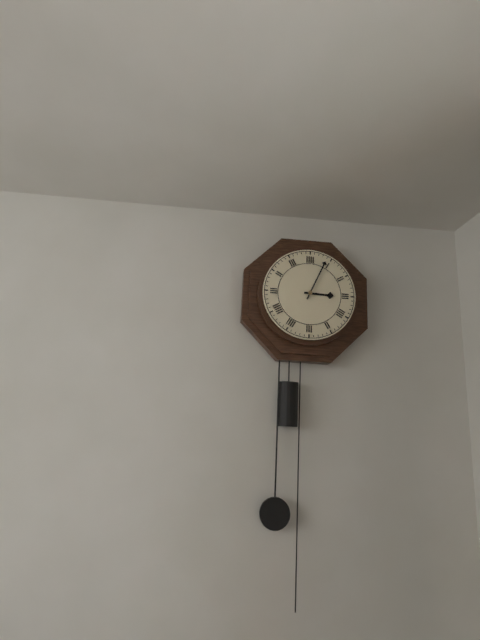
3,04
